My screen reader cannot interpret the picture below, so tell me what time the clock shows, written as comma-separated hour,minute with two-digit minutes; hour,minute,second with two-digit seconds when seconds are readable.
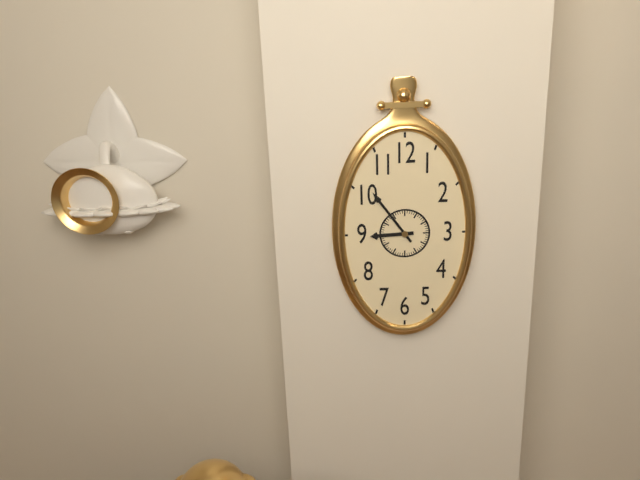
8,54
